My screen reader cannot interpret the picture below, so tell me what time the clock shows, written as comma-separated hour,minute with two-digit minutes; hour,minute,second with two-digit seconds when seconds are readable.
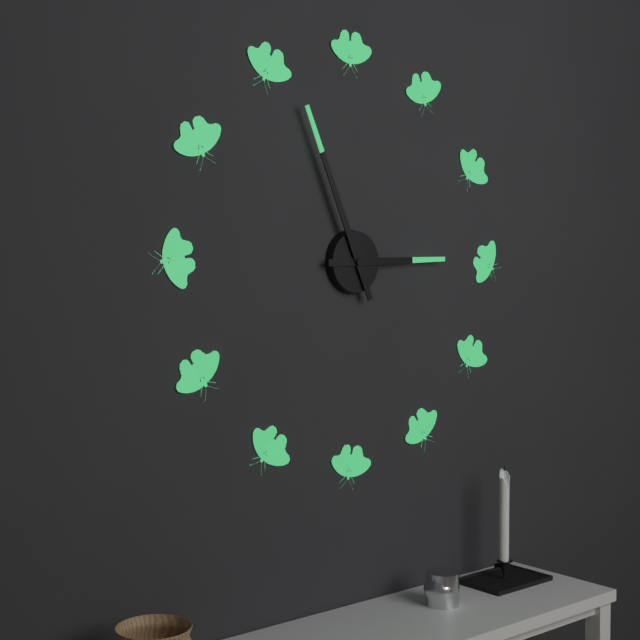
2,56
